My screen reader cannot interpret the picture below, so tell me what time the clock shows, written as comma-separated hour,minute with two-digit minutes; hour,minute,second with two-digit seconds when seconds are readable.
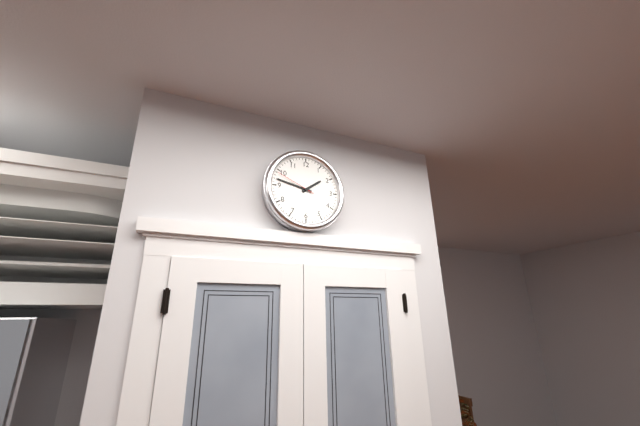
1,47
